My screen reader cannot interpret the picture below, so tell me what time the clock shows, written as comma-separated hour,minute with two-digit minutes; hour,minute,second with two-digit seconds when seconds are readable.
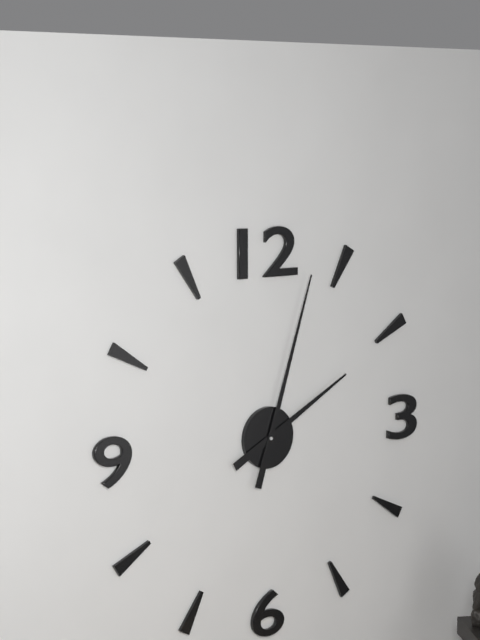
2,03
